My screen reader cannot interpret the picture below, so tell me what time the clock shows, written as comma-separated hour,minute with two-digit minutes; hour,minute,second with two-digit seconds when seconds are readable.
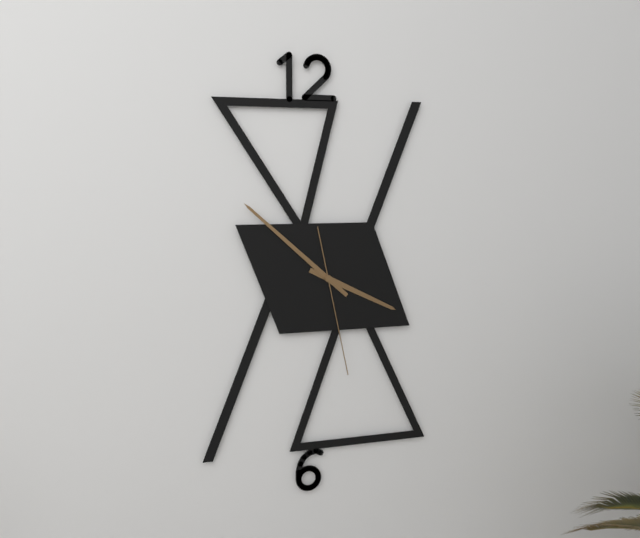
3,52,28
